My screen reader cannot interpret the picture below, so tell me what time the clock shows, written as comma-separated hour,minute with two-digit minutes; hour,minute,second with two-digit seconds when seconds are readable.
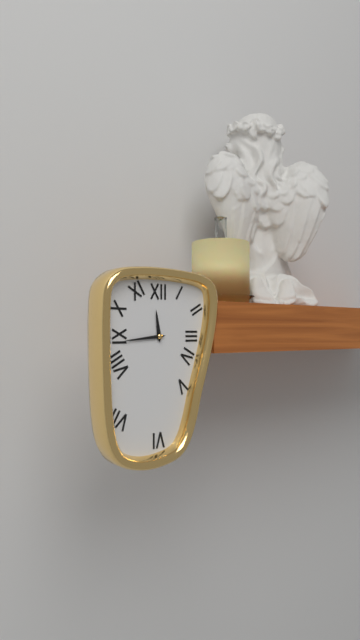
11,44
